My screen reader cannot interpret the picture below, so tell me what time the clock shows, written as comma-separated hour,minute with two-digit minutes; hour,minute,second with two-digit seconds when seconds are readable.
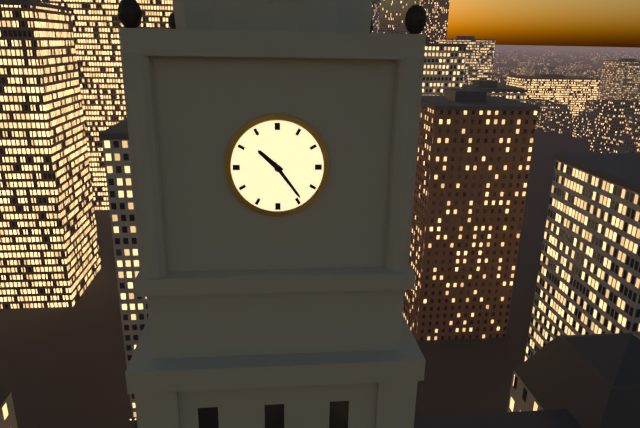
10,24
